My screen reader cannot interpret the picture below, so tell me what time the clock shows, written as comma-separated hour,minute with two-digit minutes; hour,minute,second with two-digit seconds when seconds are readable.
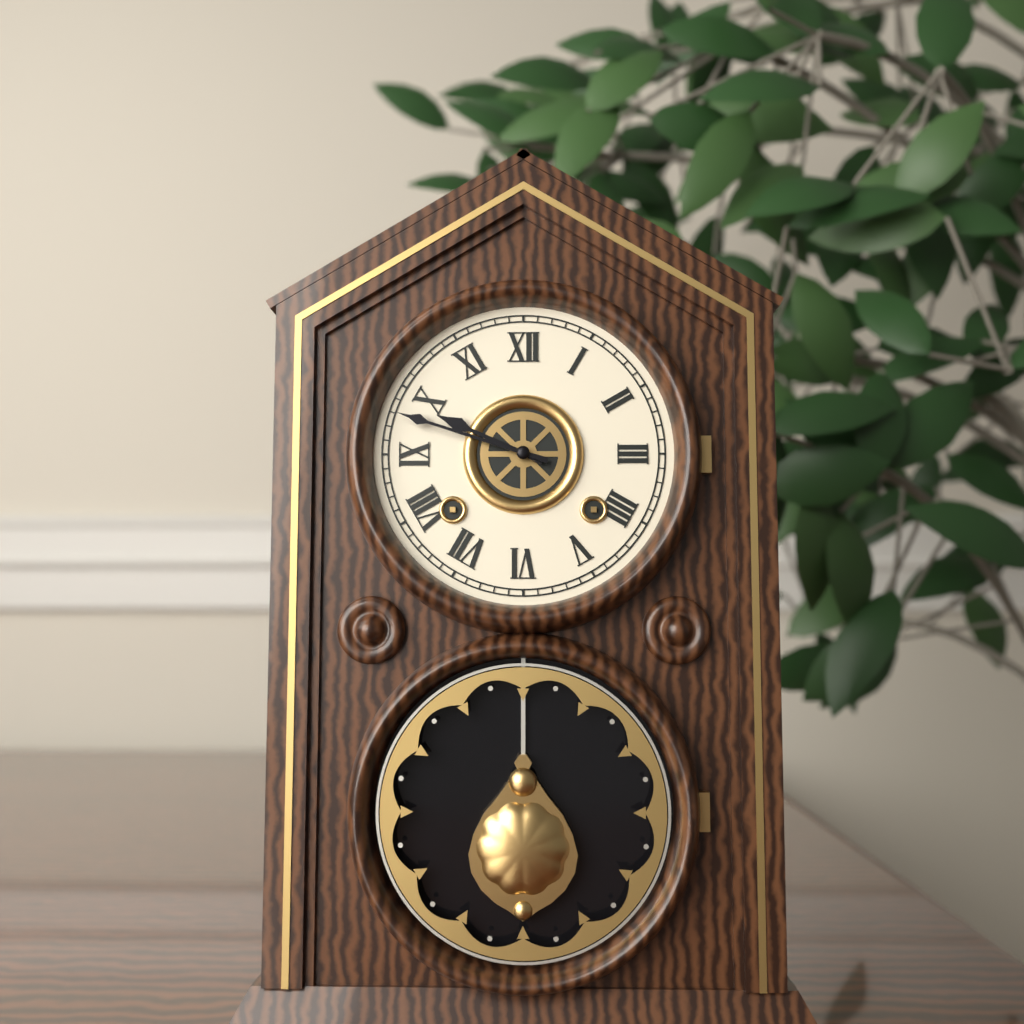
9,48
